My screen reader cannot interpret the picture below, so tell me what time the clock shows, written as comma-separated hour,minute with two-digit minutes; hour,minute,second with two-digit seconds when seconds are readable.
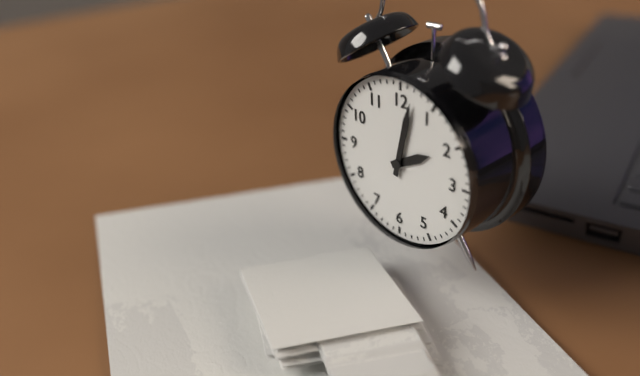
2,02
